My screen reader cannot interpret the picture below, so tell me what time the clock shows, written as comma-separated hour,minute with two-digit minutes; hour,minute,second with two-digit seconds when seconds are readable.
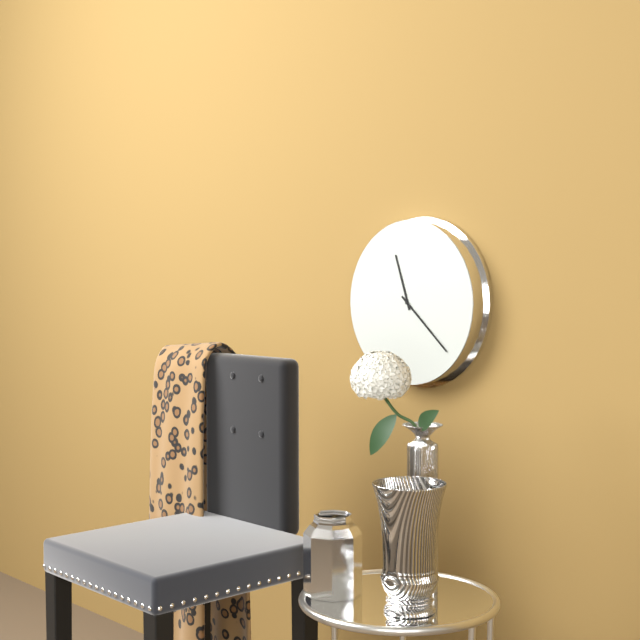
11,22
